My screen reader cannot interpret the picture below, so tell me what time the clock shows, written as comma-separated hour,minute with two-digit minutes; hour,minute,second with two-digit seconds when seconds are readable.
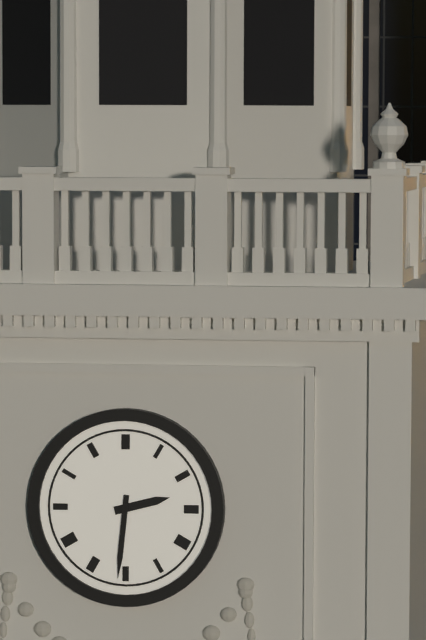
2,31
